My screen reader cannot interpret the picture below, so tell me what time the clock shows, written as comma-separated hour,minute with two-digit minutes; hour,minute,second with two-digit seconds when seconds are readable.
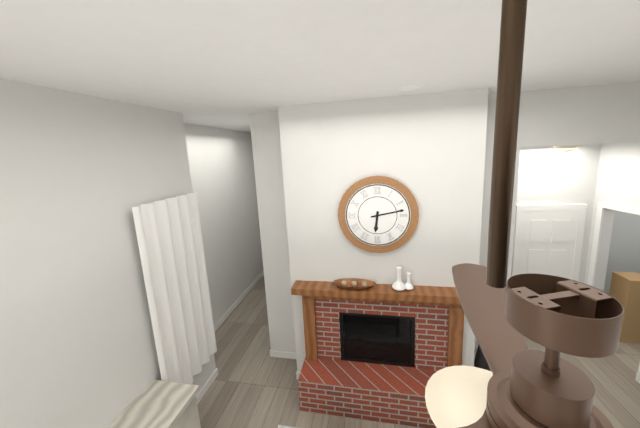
6,13
